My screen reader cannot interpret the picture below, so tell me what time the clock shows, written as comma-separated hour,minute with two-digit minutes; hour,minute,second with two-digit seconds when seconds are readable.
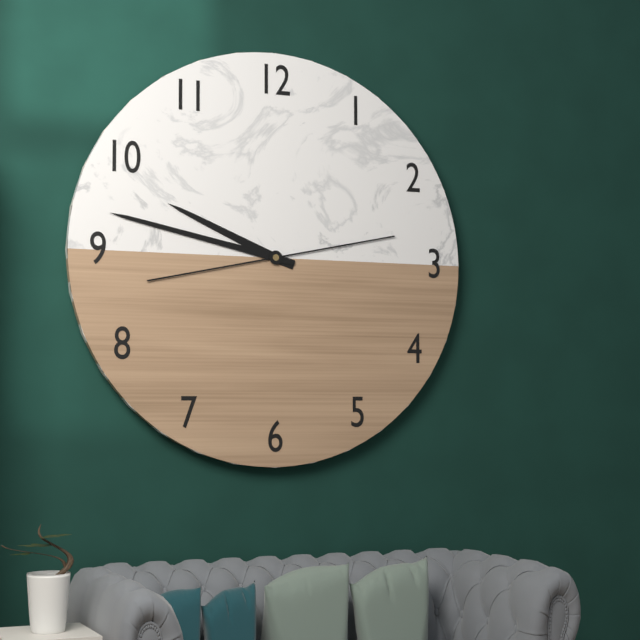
9,47
